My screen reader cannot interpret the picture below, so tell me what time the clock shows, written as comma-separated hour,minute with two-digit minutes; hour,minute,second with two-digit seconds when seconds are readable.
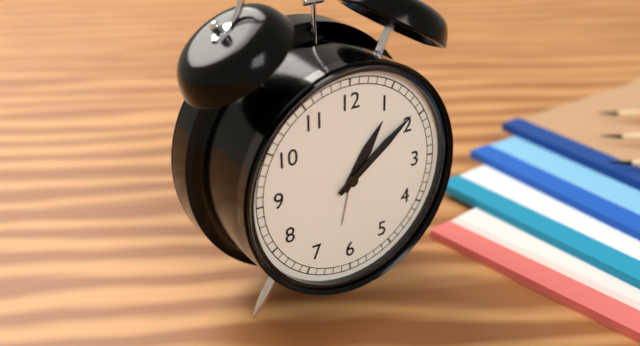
1,09
